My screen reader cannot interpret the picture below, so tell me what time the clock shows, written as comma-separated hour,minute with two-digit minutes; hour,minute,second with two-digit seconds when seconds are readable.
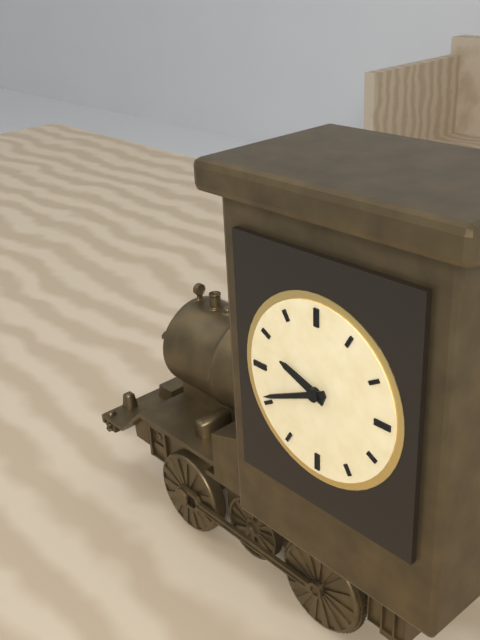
9,41
